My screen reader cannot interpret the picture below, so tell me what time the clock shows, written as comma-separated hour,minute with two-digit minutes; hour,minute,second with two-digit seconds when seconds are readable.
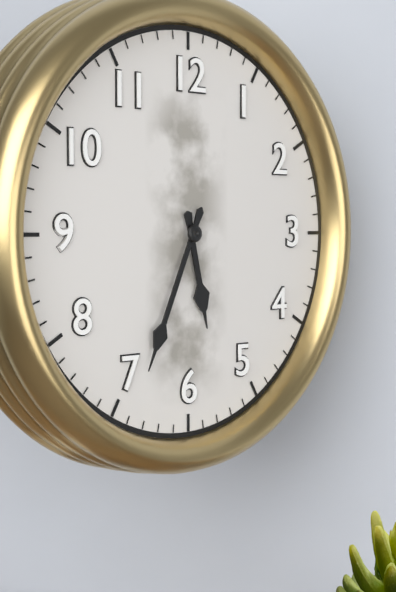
5,34
